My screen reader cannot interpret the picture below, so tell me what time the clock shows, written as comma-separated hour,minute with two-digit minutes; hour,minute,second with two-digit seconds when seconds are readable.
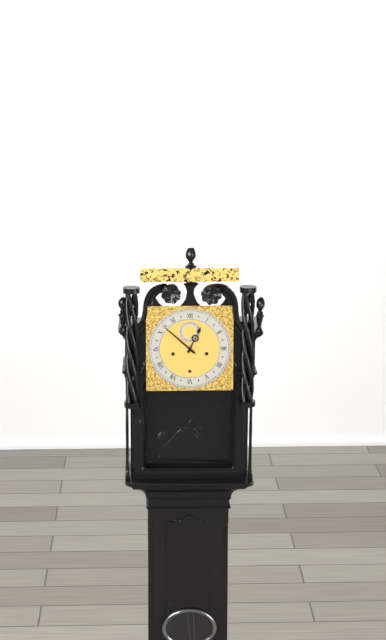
12,52
